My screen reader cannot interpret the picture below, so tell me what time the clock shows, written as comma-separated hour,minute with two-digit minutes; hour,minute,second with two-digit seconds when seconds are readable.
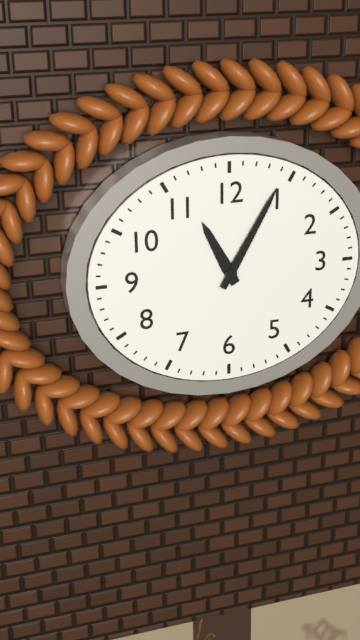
11,05
